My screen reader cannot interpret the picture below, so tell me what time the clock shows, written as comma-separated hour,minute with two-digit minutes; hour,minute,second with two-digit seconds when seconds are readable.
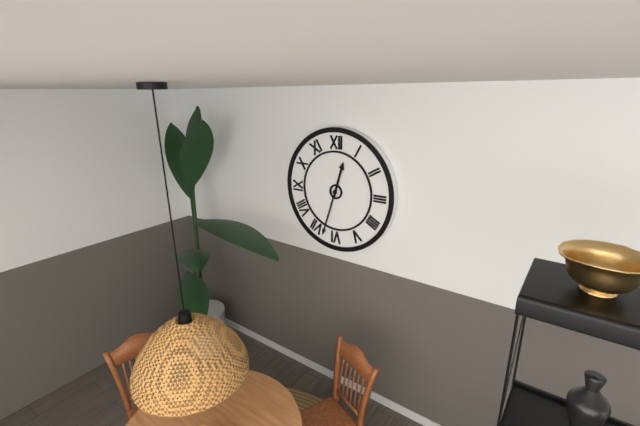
12,33
